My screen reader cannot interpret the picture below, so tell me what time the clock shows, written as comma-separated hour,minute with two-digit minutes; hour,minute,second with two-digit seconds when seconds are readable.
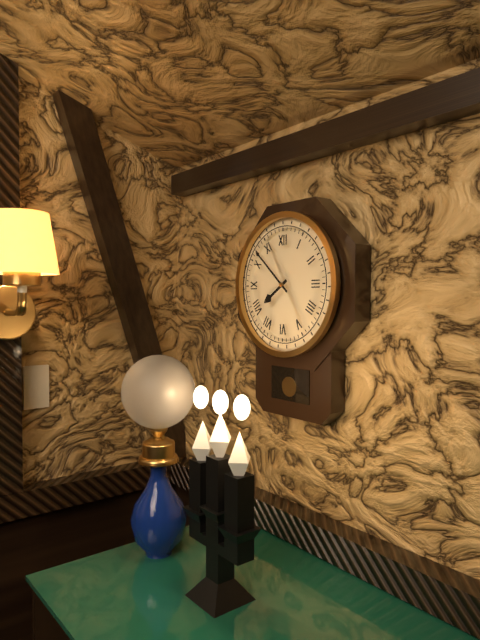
7,52
